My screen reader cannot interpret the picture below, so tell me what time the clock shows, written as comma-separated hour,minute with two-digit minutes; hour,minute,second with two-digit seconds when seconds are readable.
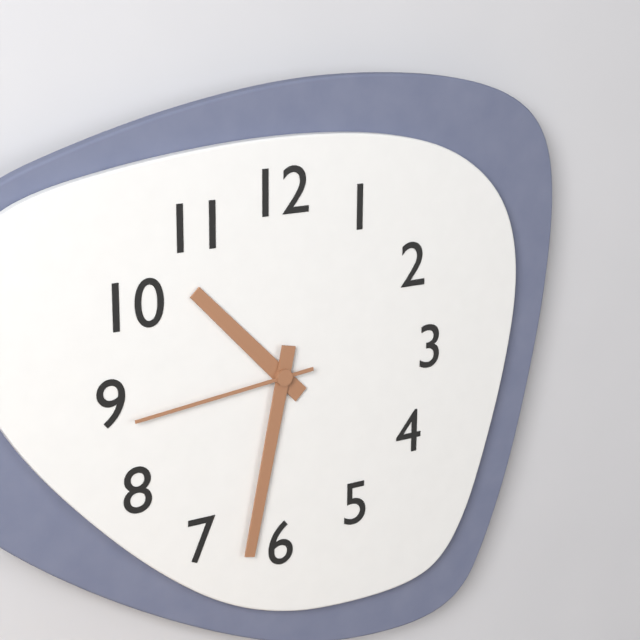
10,32,44
